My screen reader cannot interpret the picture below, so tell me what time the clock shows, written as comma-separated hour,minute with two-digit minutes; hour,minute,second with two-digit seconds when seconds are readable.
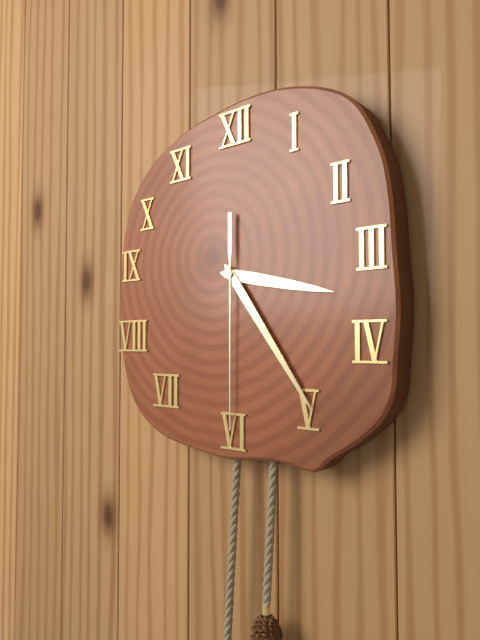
3,24,30
